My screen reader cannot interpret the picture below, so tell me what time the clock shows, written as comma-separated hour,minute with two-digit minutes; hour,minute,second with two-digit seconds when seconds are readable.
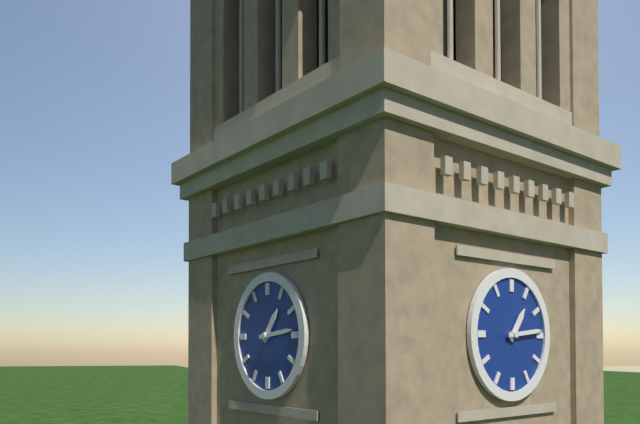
1,14
